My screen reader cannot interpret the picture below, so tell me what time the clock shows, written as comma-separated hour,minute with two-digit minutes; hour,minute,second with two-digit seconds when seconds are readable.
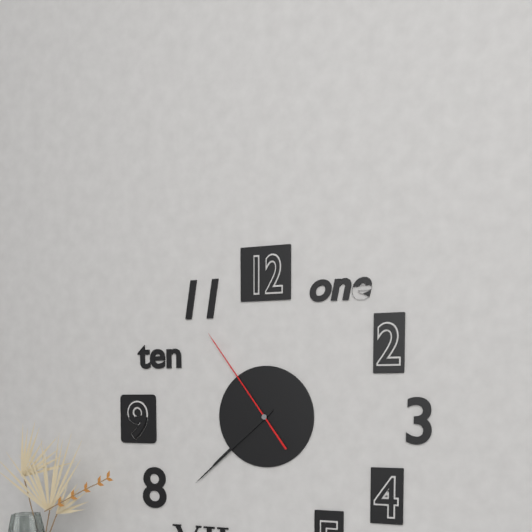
7,38,54
